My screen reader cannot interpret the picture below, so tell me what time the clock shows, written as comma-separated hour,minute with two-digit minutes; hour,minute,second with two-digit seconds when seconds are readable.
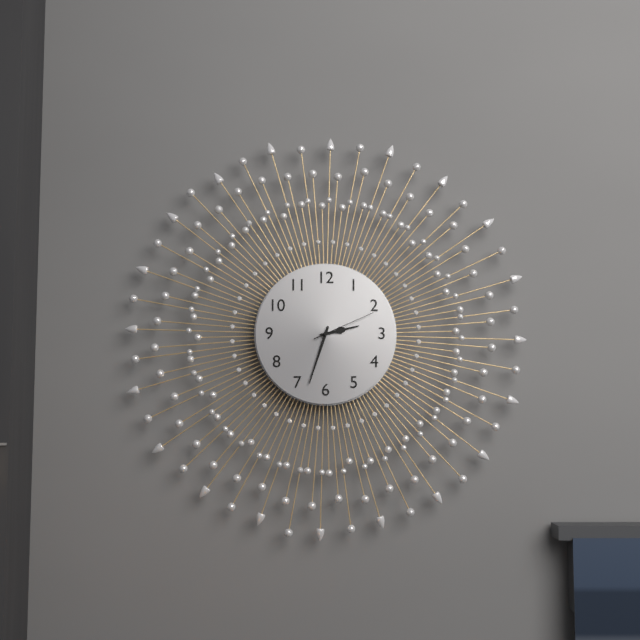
2,33,11
